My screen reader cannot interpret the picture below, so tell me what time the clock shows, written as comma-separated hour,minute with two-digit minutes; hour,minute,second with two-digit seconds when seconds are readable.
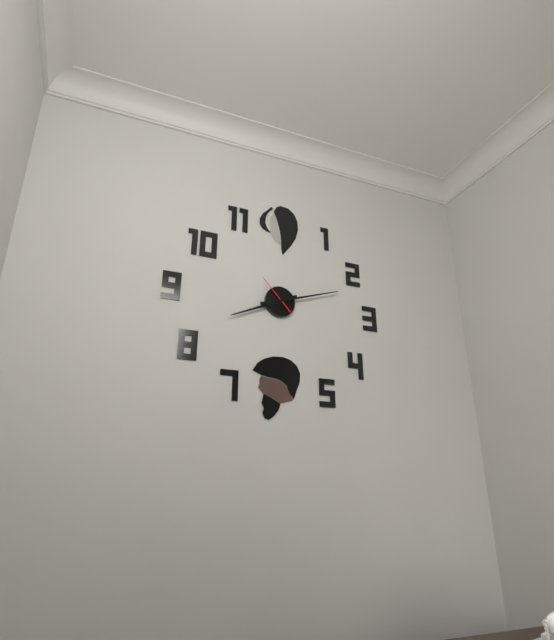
8,12
